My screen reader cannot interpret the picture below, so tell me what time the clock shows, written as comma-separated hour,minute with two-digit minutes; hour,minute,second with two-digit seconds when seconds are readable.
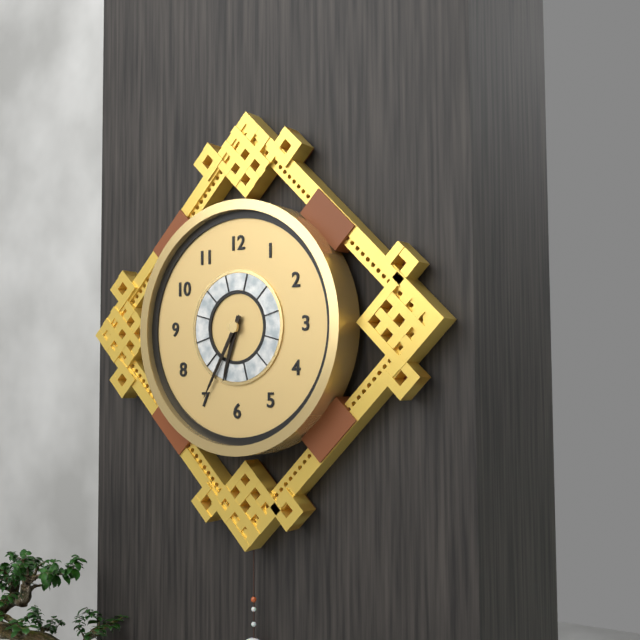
6,35
